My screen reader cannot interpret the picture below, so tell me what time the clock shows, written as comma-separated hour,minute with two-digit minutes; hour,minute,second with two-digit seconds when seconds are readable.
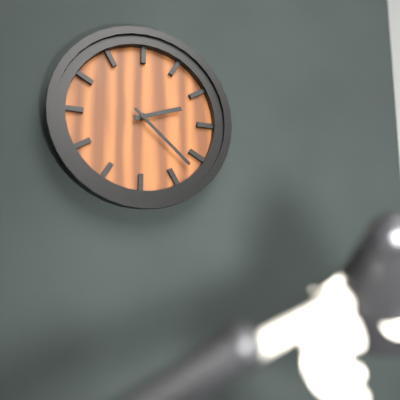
2,22
